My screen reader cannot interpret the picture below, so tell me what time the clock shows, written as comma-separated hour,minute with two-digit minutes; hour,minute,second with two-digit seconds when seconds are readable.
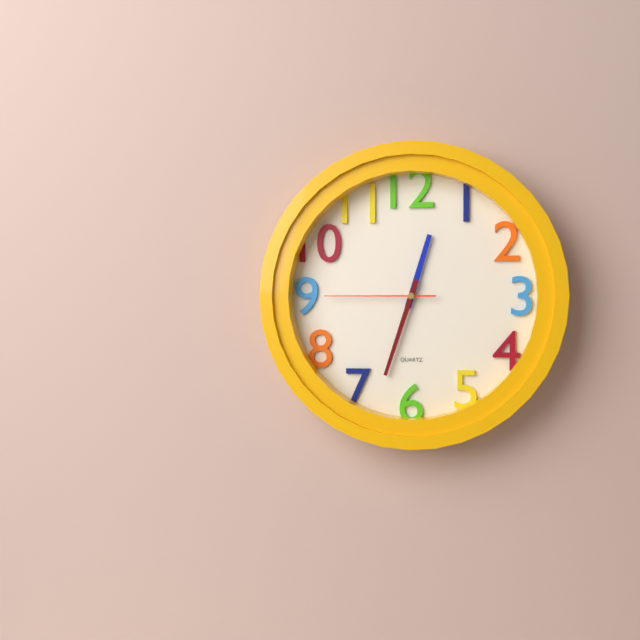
12,33,45
